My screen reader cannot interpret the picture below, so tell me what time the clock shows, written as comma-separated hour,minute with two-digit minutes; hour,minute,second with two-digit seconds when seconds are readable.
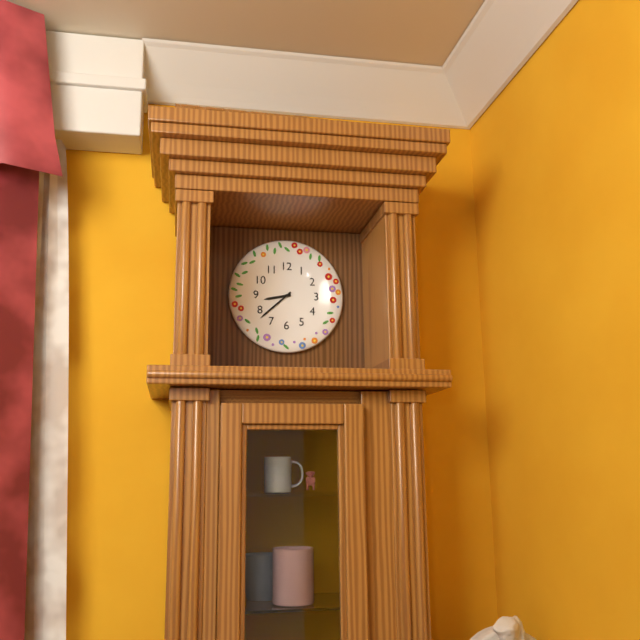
8,38
